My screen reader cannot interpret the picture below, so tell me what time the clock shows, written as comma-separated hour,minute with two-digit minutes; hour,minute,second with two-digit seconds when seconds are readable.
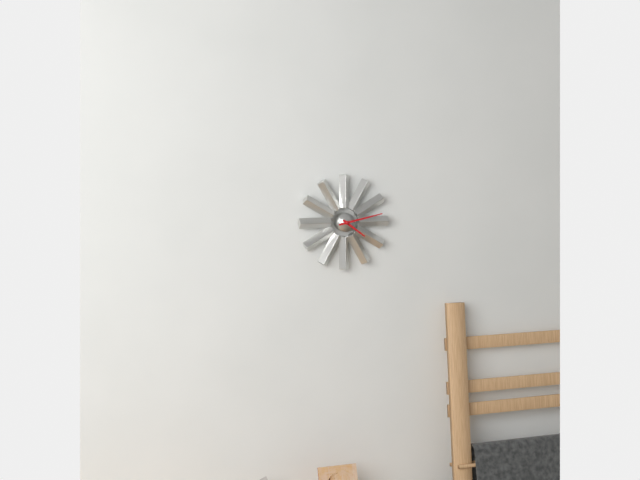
4,13
